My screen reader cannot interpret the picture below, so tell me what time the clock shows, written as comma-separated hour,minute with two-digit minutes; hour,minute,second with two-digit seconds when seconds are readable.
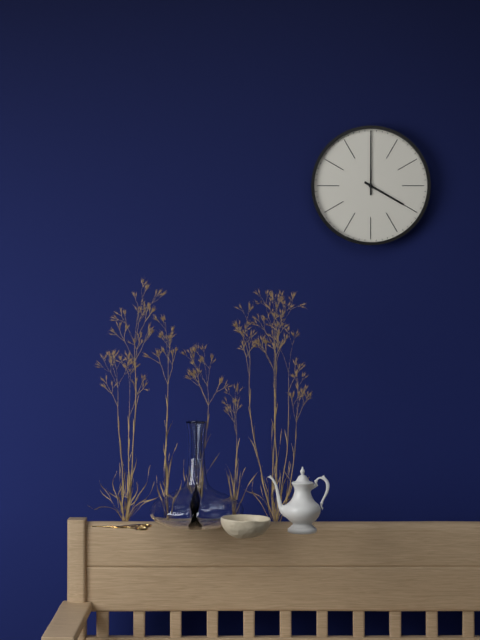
4,00
